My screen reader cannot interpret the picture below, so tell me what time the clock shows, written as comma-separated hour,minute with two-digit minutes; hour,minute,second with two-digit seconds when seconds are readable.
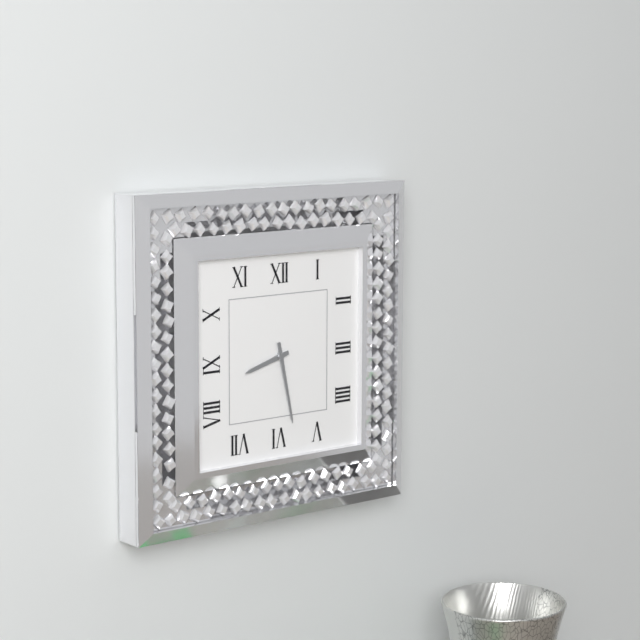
8,28
